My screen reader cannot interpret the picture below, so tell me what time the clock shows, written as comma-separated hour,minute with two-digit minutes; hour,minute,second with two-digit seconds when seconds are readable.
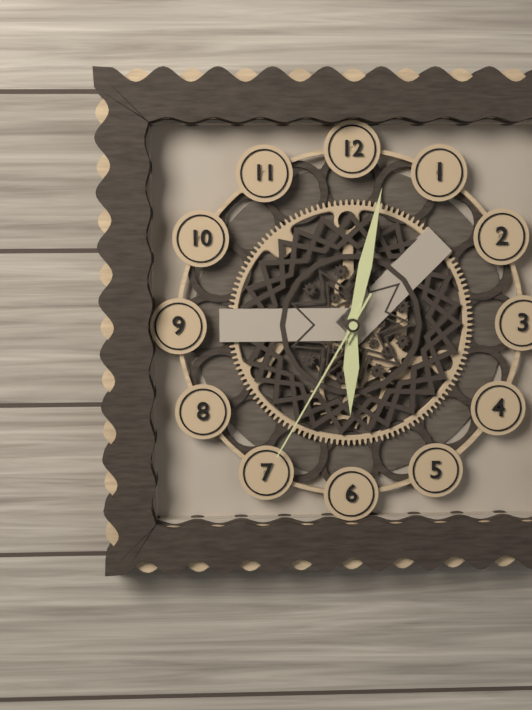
6,02,35
